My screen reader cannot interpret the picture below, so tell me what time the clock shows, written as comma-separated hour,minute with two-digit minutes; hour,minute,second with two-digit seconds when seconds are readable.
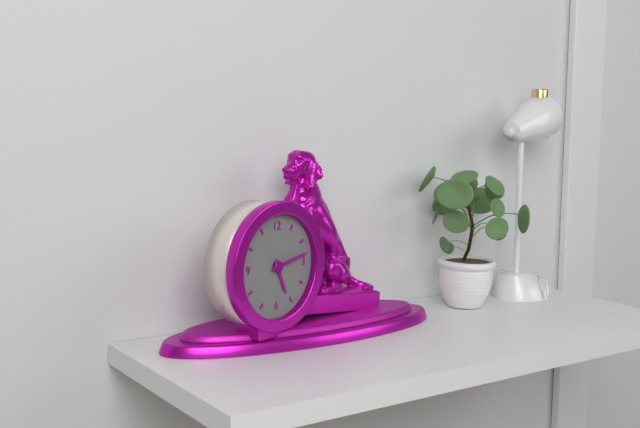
5,13
